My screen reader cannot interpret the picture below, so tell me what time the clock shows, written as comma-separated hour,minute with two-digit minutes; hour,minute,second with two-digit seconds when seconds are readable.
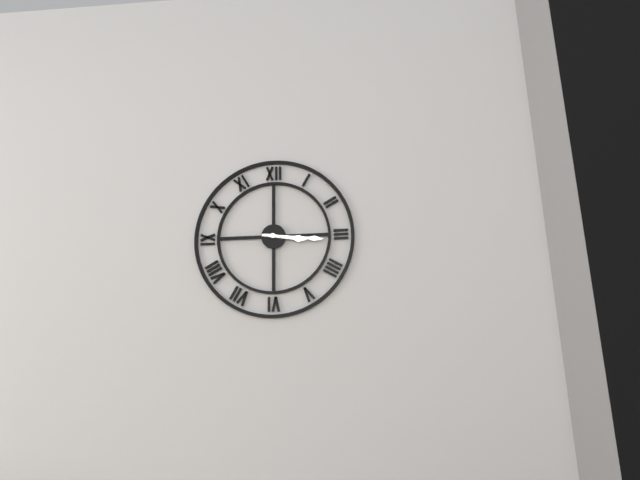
3,16
